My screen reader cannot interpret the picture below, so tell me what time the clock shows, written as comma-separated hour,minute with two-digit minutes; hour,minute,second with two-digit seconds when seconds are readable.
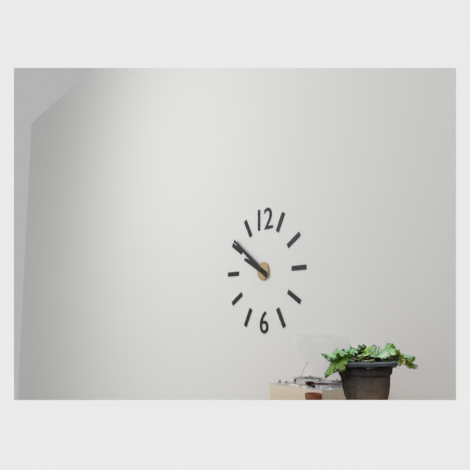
9,51
